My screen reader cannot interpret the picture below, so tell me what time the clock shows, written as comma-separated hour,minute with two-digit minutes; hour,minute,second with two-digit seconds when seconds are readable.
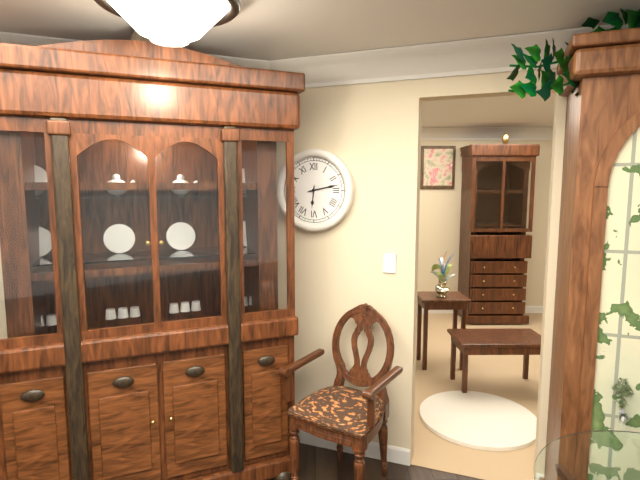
6,13
